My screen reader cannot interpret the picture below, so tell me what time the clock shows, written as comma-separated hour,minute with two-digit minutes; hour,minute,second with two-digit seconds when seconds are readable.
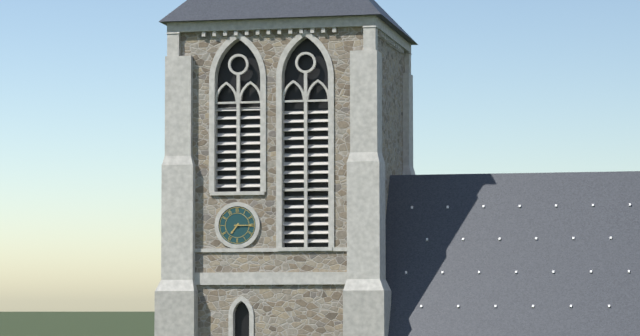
7,15
